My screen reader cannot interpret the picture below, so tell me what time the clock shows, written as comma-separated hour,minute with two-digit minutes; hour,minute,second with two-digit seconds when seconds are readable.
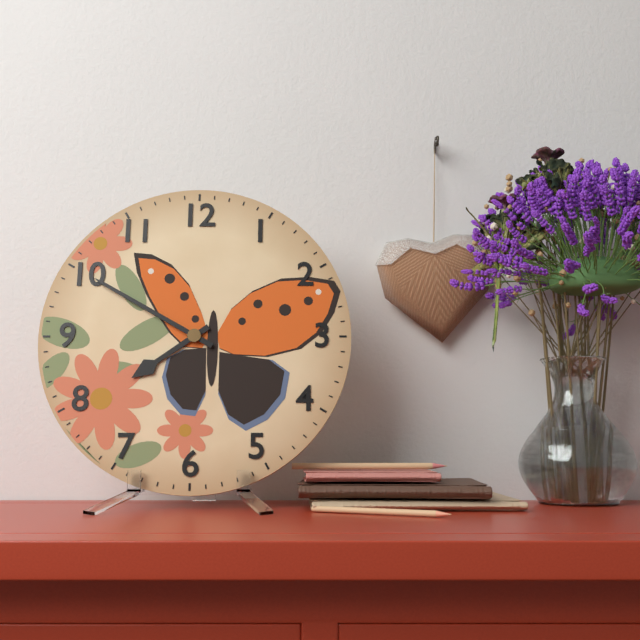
7,50
